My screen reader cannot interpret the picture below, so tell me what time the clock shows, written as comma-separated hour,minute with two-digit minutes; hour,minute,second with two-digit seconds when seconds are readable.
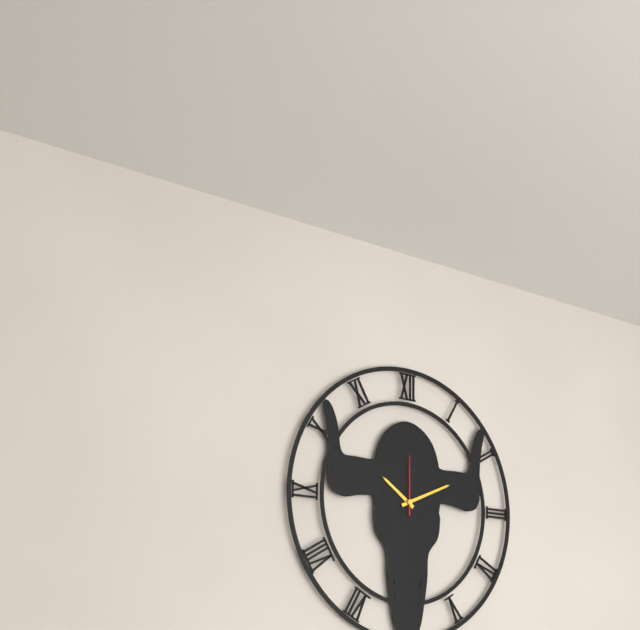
10,11,00
